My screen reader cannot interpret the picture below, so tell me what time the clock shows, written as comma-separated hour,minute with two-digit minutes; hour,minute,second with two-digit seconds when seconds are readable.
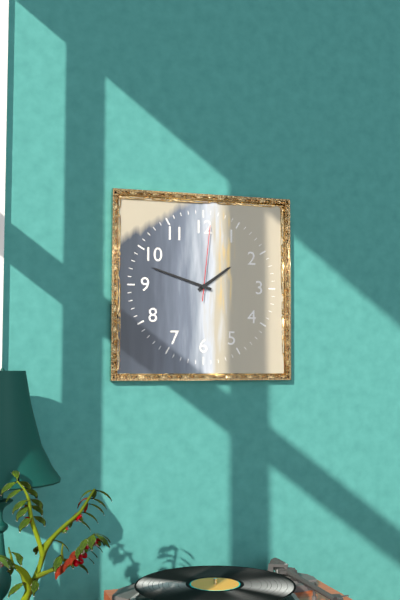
1,48,01
